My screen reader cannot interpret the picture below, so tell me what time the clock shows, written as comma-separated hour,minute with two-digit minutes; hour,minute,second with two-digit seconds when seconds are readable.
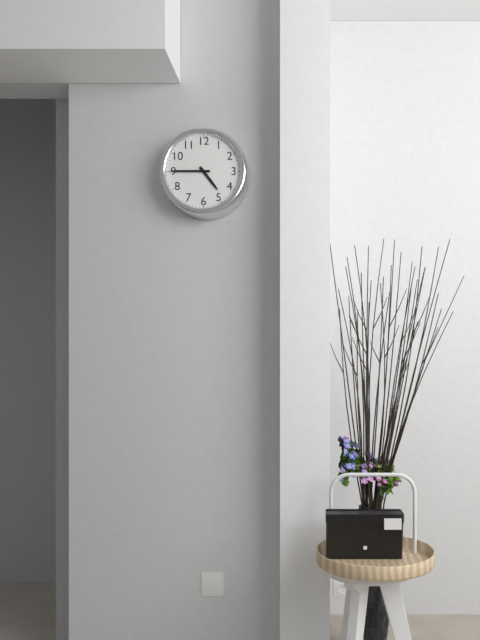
4,45
